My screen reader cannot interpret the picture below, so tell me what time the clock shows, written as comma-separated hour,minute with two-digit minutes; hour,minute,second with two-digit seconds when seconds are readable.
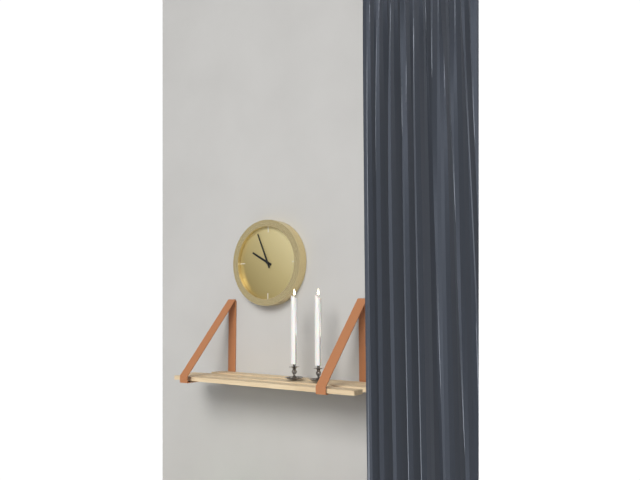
9,56
